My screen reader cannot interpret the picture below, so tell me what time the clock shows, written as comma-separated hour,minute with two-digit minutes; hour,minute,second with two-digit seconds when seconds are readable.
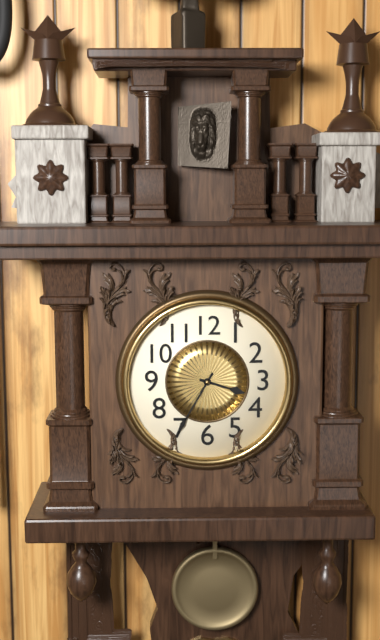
3,35
